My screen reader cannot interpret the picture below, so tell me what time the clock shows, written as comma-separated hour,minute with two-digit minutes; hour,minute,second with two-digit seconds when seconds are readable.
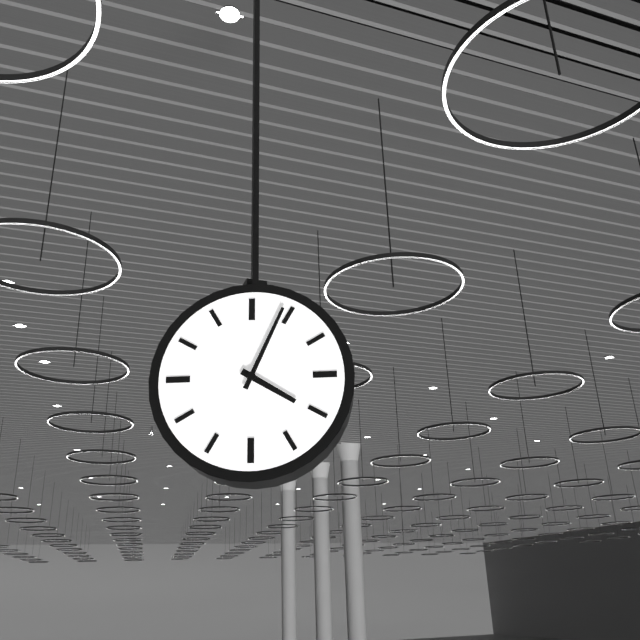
4,04
